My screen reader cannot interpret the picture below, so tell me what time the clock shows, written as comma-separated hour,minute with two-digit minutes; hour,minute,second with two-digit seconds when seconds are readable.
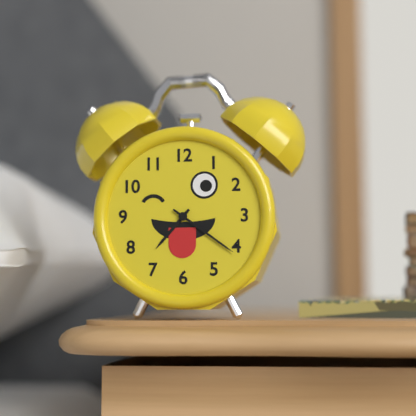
7,21
